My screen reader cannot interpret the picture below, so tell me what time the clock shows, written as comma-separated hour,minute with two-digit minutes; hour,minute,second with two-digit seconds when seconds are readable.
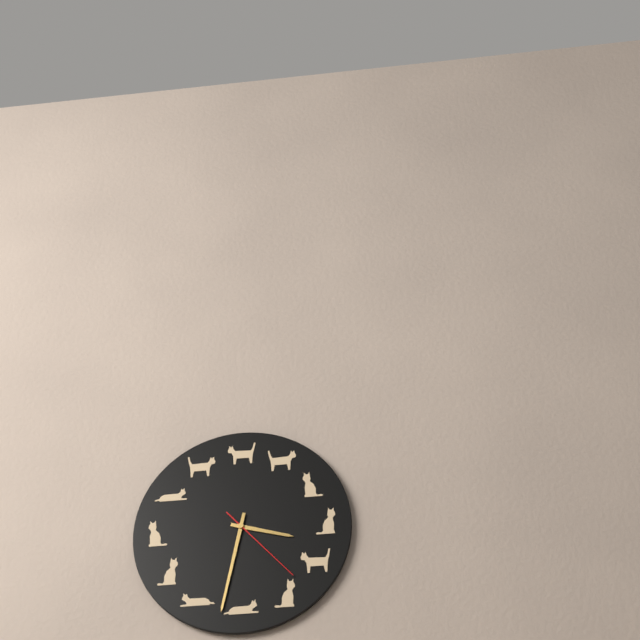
3,32,23
